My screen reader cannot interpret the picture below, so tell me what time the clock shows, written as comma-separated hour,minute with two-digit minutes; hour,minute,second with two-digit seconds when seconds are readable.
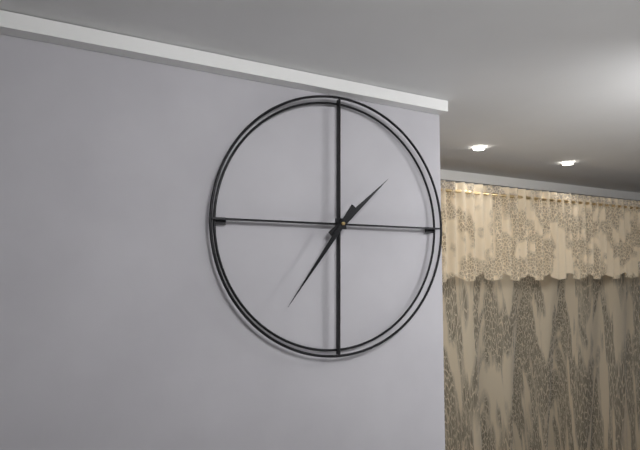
1,36
